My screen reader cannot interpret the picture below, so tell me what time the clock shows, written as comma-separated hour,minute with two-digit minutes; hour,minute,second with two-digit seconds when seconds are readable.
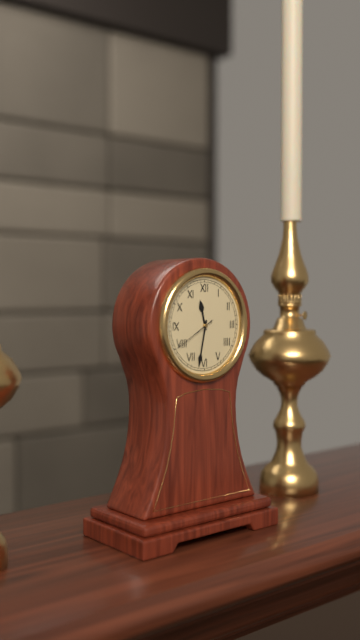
11,32
